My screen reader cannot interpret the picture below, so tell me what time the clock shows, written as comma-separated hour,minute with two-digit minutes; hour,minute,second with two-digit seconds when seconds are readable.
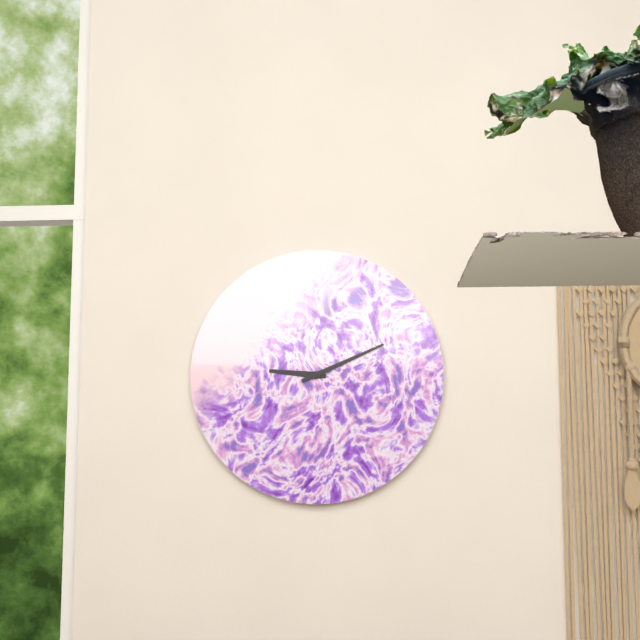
9,11
